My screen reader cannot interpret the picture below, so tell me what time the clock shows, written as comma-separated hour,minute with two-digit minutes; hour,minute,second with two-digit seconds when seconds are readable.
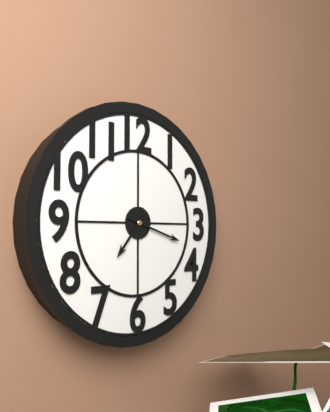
7,18
